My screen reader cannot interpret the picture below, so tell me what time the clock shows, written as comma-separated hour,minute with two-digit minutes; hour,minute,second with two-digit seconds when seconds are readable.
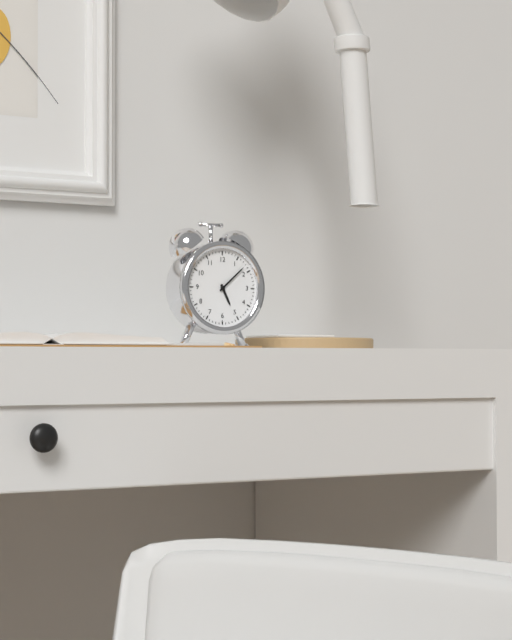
5,08
